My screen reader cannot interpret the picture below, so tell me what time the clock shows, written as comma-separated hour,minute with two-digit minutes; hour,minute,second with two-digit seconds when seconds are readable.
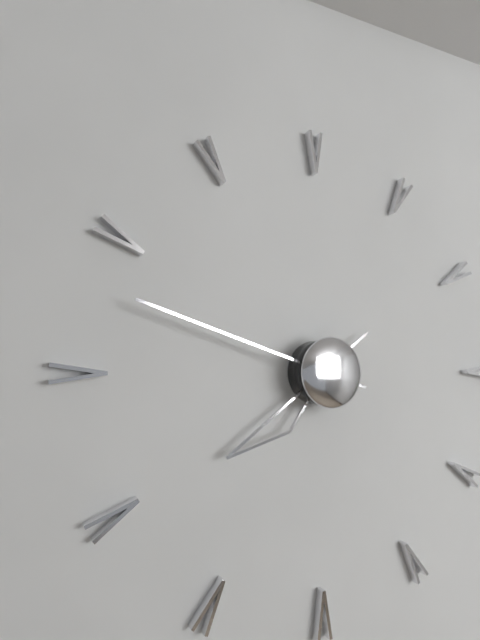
7,48
